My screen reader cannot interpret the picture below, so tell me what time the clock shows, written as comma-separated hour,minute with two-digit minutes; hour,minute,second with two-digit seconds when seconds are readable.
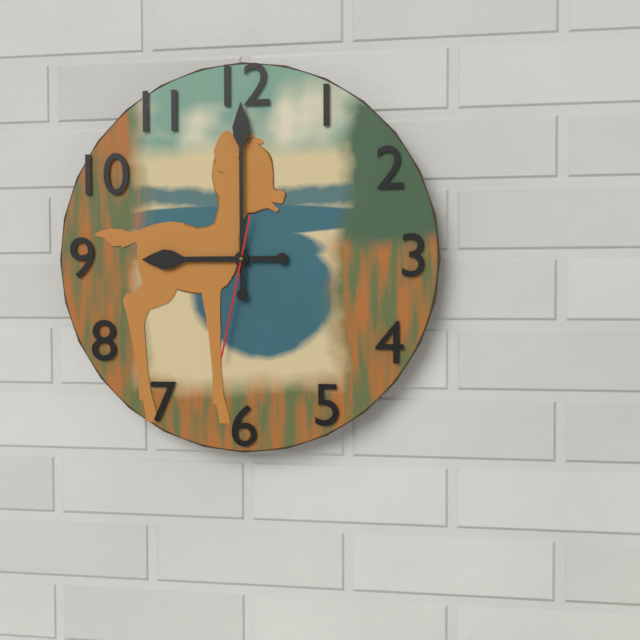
9,00,32
